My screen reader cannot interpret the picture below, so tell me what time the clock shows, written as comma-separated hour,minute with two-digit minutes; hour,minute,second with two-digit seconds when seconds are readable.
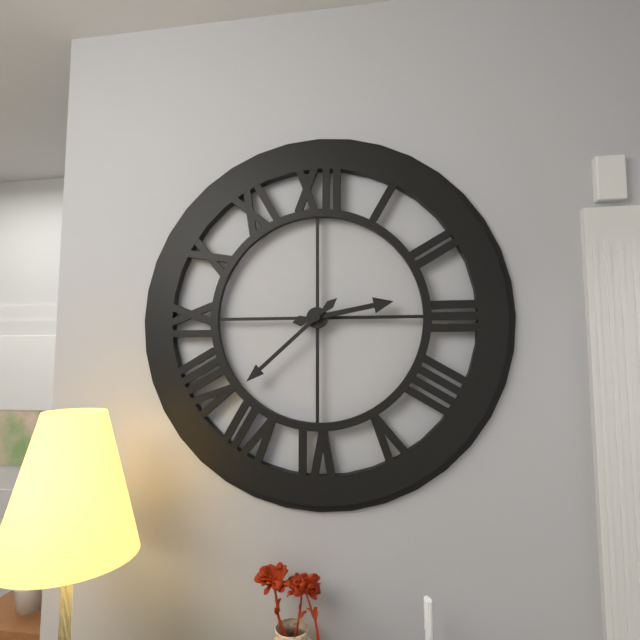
2,38
